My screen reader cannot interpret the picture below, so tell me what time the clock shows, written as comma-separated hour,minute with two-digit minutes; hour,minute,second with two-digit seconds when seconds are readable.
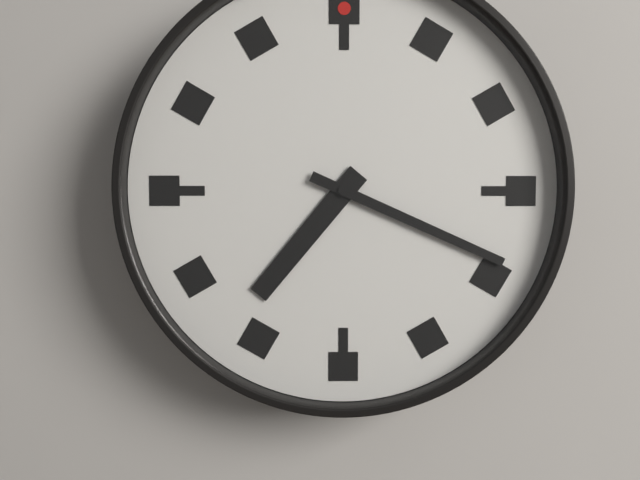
7,19
